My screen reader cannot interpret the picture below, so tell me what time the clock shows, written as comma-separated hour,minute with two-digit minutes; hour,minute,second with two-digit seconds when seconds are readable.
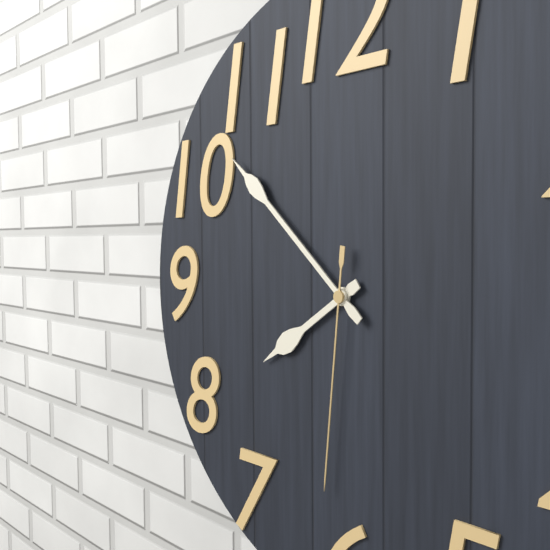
7,52,31
